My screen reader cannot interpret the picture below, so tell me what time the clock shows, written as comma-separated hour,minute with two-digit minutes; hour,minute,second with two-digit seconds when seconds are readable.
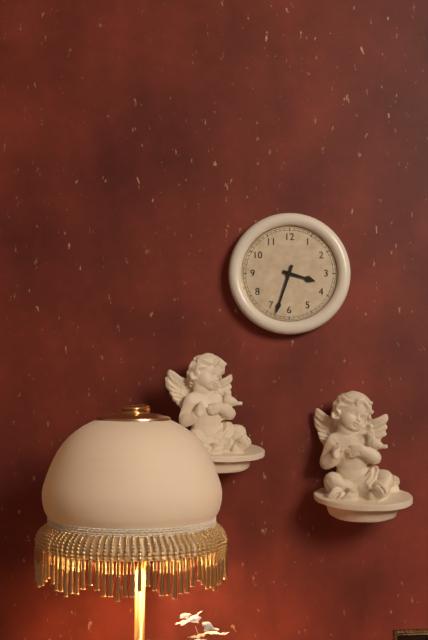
3,33
